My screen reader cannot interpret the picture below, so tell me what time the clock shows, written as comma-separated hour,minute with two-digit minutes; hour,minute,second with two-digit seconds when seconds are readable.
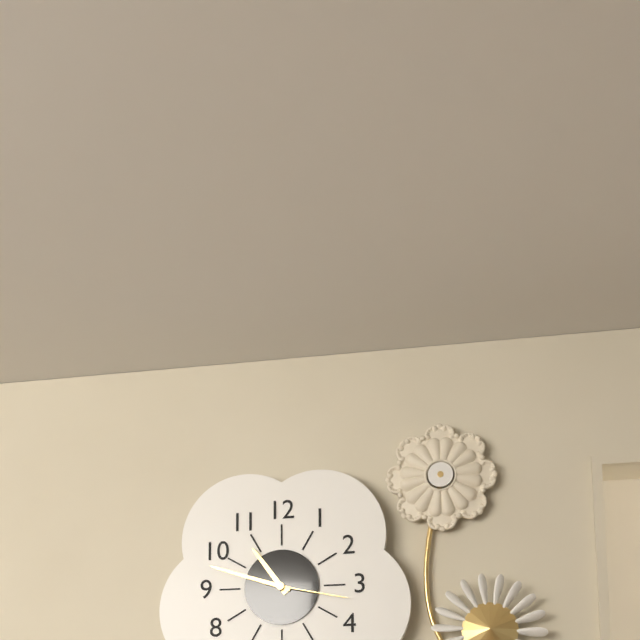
10,48,17
